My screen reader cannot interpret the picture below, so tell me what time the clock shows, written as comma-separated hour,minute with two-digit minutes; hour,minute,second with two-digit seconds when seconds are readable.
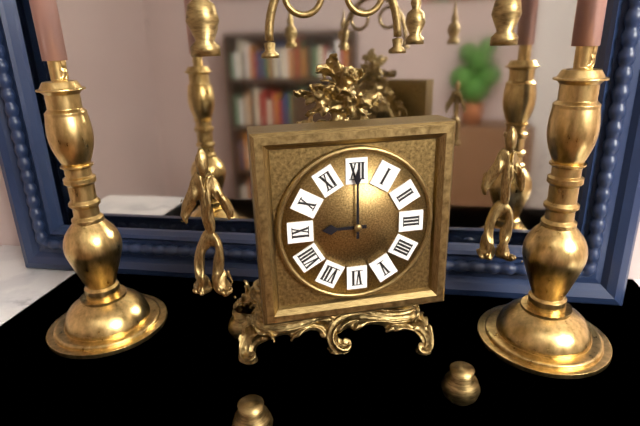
9,00
